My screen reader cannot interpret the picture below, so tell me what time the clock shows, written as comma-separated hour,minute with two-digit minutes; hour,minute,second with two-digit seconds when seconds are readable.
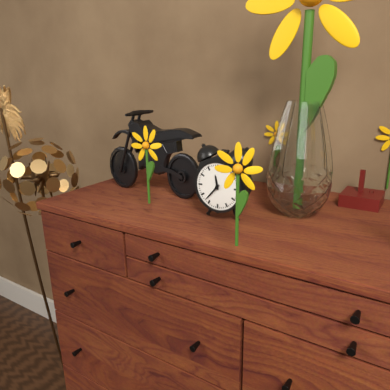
11,37
